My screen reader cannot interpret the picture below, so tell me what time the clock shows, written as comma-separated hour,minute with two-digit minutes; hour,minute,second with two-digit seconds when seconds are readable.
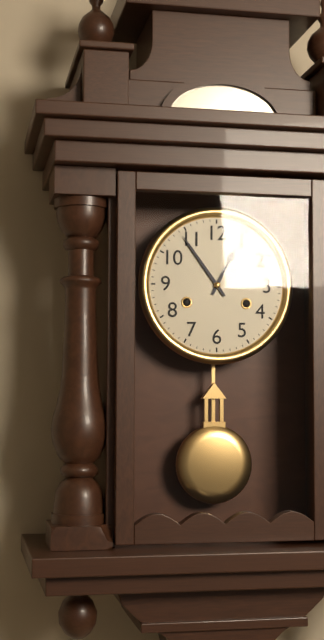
12,54
